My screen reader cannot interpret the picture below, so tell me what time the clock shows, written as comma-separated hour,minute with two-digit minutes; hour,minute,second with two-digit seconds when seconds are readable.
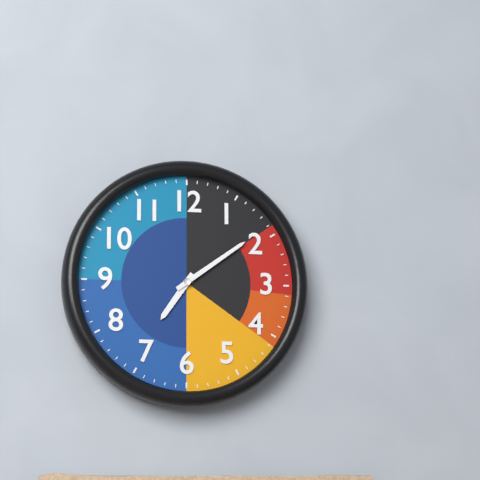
7,09
